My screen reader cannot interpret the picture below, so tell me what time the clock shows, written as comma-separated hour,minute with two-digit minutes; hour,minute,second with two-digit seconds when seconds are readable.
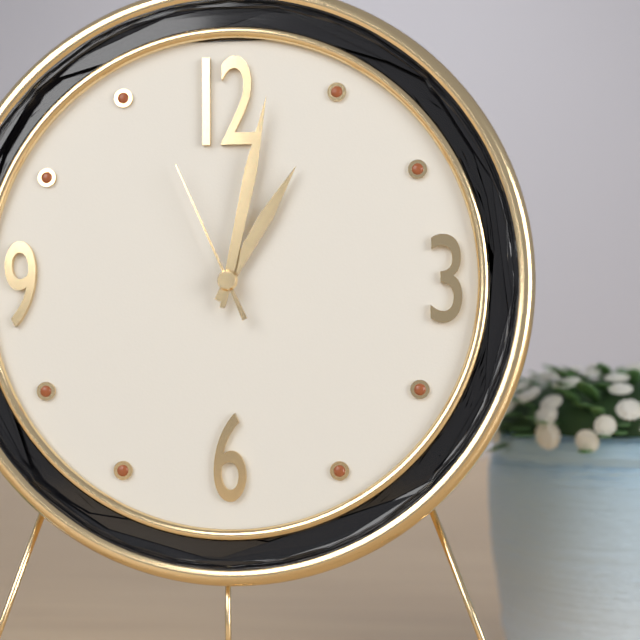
1,02,56
